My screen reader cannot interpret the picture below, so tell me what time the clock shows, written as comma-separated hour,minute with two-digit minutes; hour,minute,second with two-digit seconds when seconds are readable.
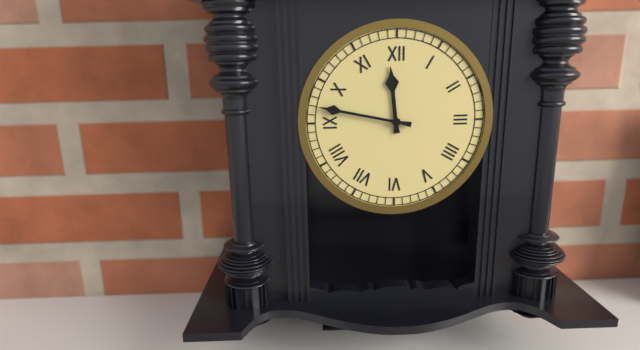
11,47
